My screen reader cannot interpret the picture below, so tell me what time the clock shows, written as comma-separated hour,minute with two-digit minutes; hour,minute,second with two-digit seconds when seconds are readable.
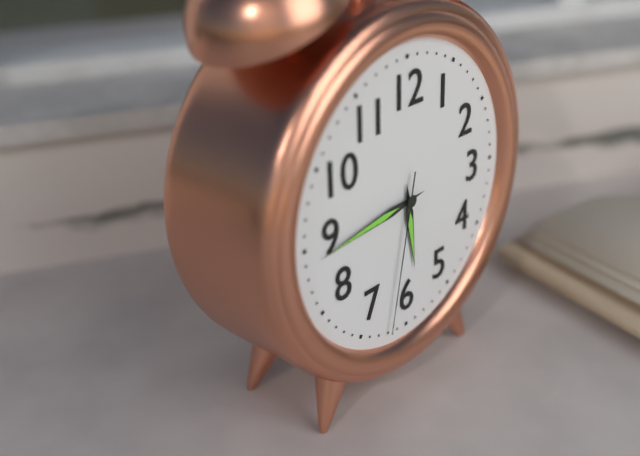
5,44,32
